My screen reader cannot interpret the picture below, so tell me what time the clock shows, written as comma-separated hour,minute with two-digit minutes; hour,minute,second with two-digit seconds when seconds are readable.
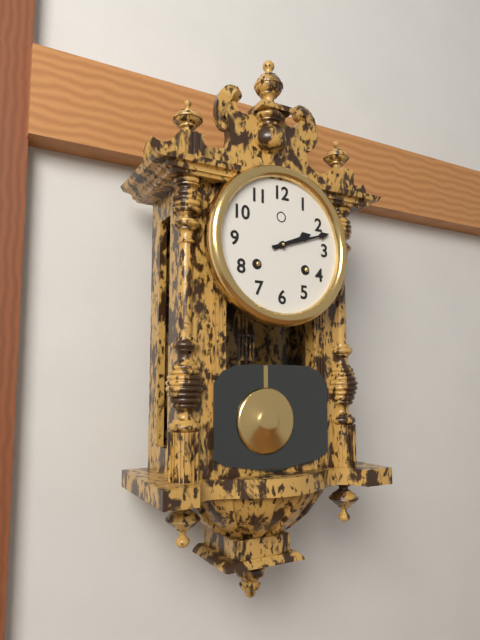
2,12
